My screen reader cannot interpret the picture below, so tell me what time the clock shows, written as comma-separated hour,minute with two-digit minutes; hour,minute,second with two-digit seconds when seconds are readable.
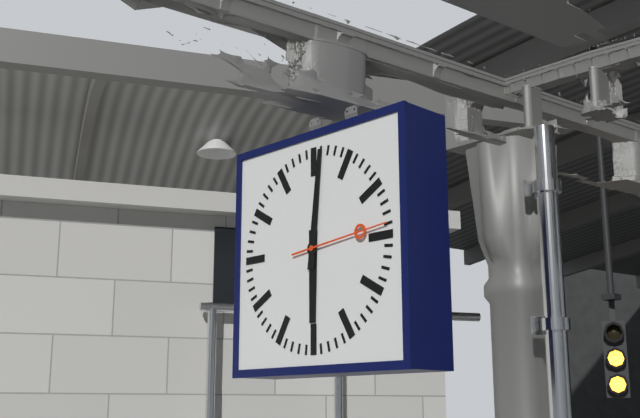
6,01,14
